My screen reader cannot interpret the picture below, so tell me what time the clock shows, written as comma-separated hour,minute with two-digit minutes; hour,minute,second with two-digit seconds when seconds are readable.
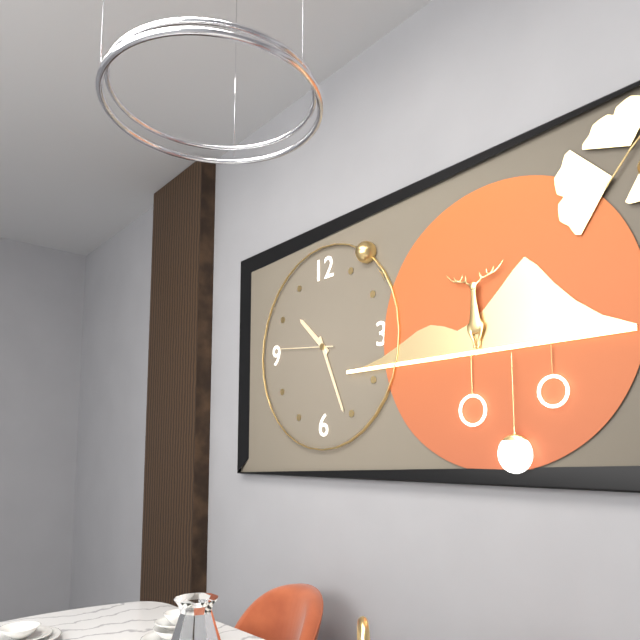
10,26,46
